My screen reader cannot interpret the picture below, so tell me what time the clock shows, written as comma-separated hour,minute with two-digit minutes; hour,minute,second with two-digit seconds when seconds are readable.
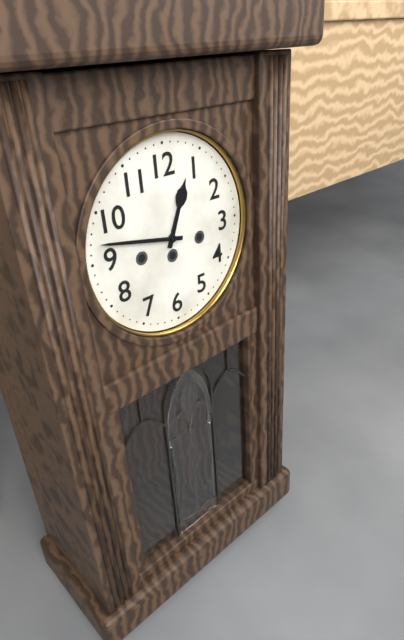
12,47
